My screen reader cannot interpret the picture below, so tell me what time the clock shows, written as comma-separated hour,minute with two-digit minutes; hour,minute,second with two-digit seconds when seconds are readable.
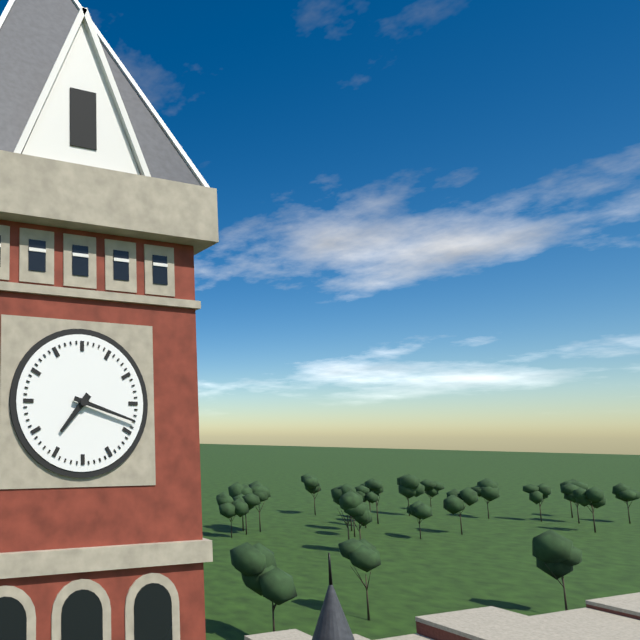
7,18
